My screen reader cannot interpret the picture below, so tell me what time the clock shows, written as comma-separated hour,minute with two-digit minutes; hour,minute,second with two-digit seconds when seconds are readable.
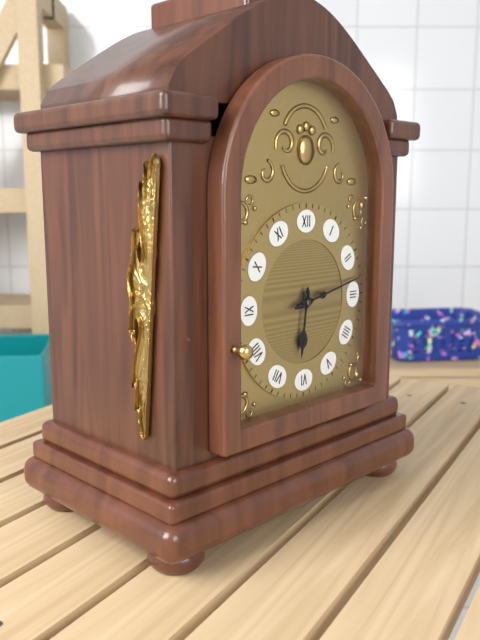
6,13
